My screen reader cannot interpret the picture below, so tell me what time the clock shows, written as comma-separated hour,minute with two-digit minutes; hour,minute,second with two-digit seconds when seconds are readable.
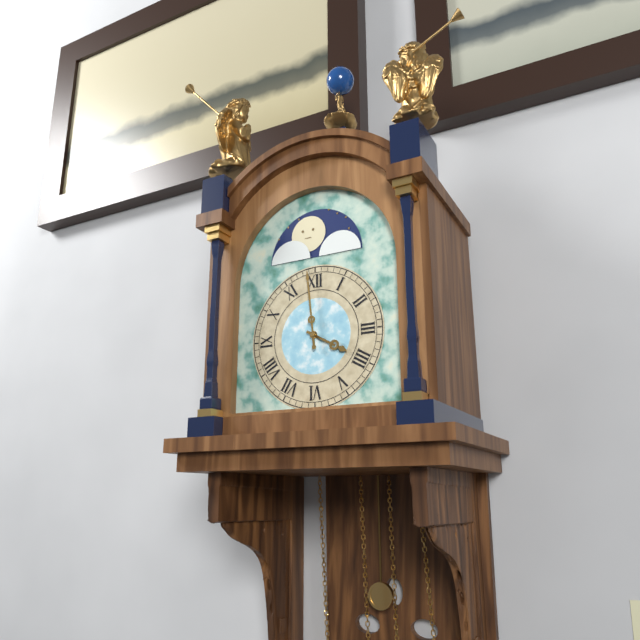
3,59
